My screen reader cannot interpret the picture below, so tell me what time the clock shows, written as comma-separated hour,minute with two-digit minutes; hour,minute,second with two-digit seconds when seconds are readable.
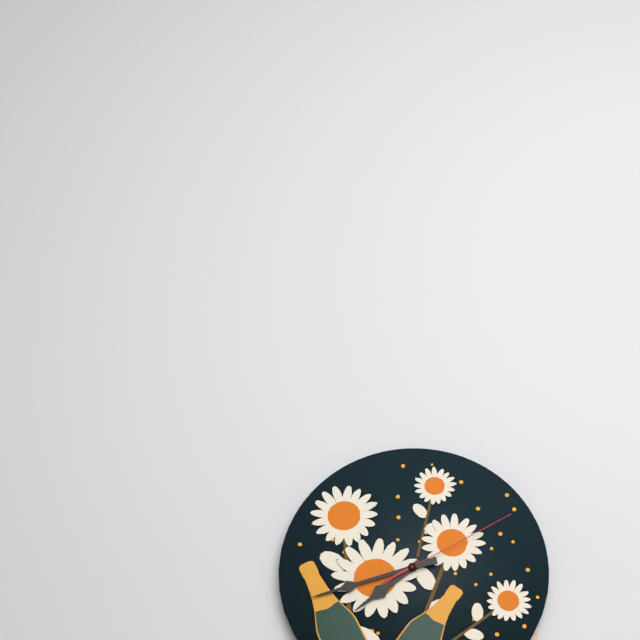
7,42,10
